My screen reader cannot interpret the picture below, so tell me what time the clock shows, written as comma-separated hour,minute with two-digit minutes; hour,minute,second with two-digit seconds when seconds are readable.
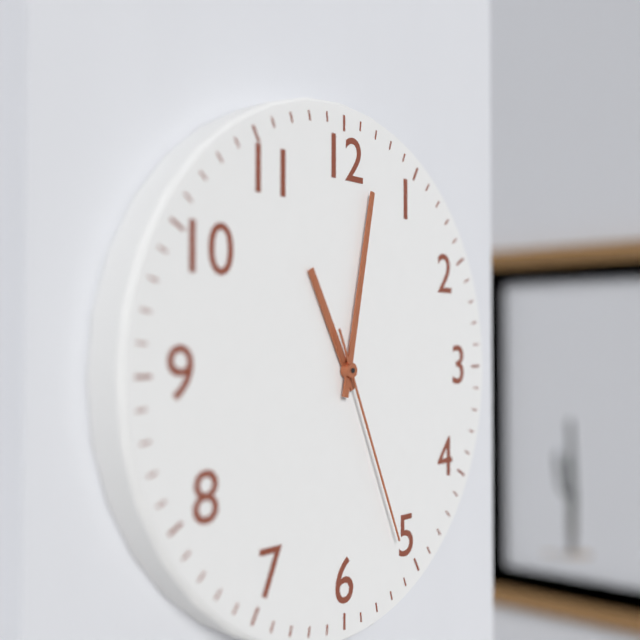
11,02,26
